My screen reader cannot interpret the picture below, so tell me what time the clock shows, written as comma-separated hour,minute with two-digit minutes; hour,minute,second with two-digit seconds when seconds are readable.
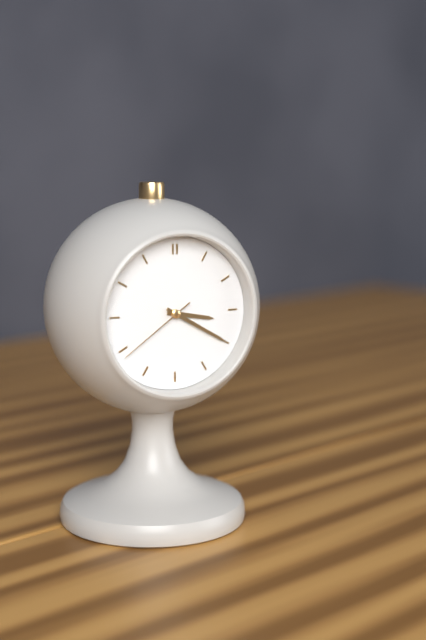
3,20,39
